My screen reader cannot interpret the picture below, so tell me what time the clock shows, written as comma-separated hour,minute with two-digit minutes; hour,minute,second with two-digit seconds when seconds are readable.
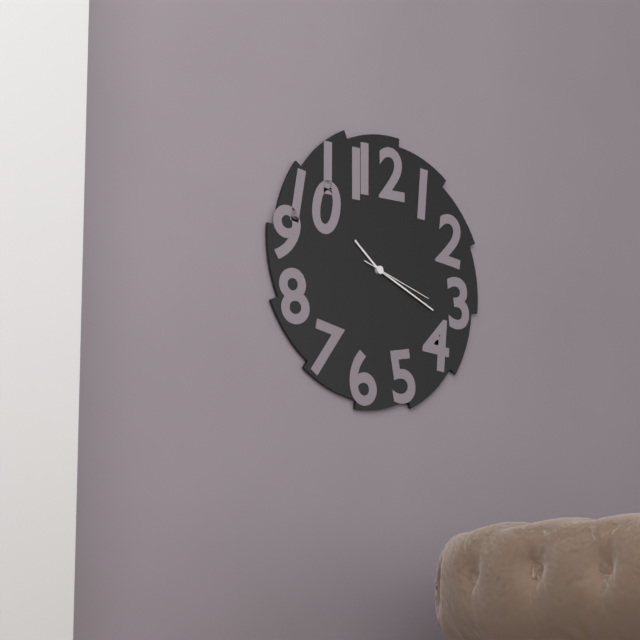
10,19,18
